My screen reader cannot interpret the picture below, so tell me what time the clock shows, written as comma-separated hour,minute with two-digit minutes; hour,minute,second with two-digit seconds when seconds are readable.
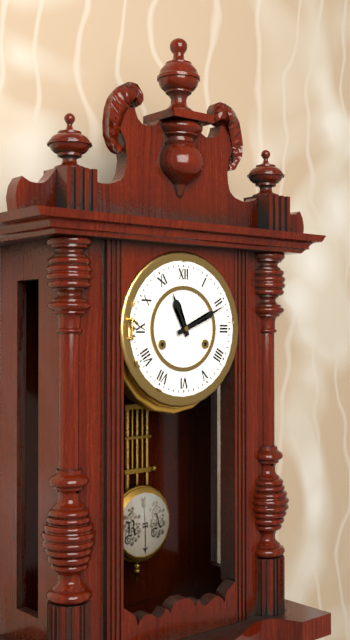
11,11
